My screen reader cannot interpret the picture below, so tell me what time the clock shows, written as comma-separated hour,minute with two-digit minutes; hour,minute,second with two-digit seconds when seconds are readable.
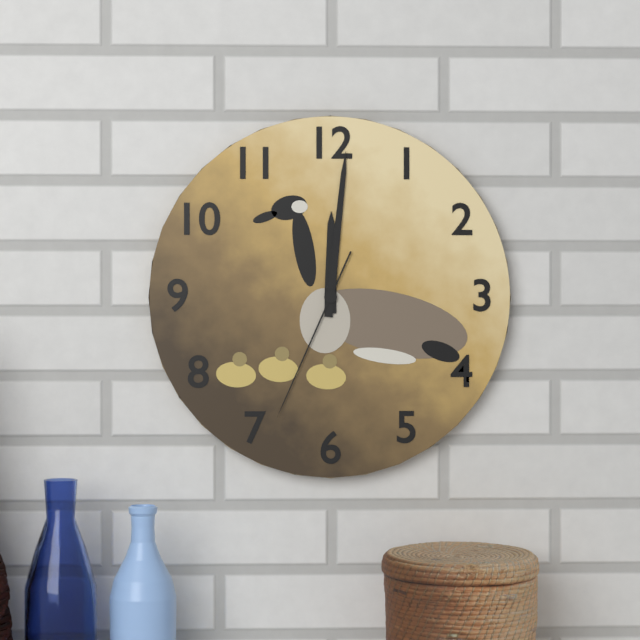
12,01,34
